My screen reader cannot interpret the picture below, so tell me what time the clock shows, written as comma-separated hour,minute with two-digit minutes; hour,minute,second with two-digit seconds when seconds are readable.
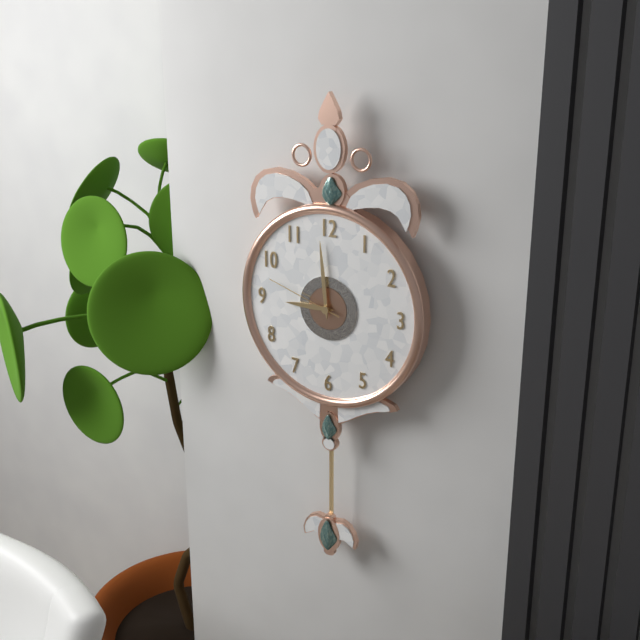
8,59,48
